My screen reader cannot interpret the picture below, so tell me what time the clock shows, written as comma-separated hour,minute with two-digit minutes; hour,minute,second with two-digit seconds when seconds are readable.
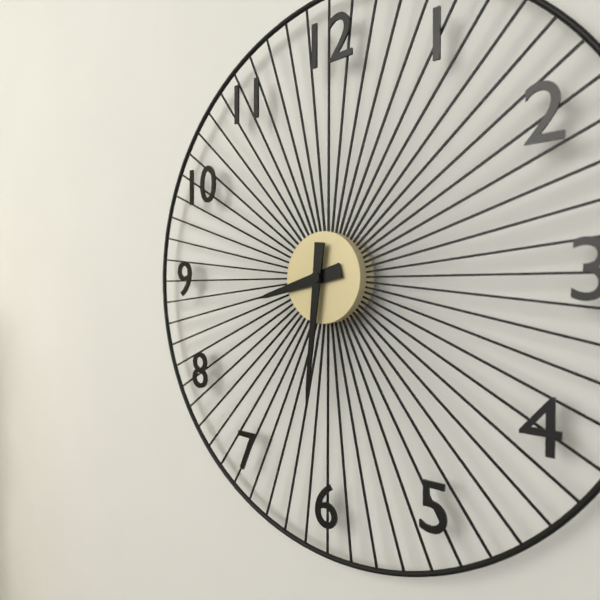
8,31
